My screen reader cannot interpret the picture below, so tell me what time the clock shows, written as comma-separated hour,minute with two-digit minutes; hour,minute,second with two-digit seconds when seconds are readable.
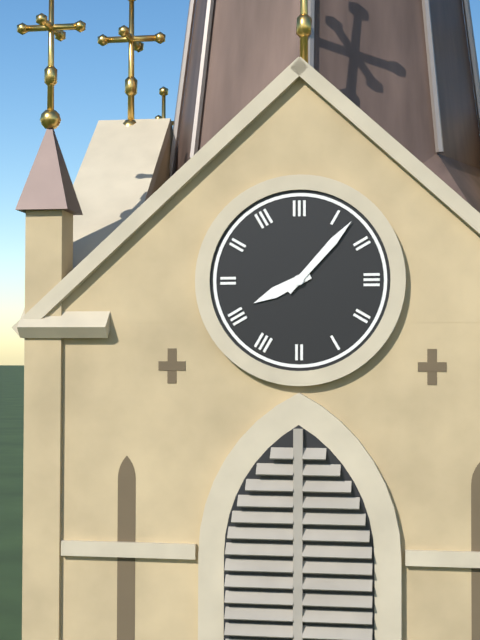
8,07
